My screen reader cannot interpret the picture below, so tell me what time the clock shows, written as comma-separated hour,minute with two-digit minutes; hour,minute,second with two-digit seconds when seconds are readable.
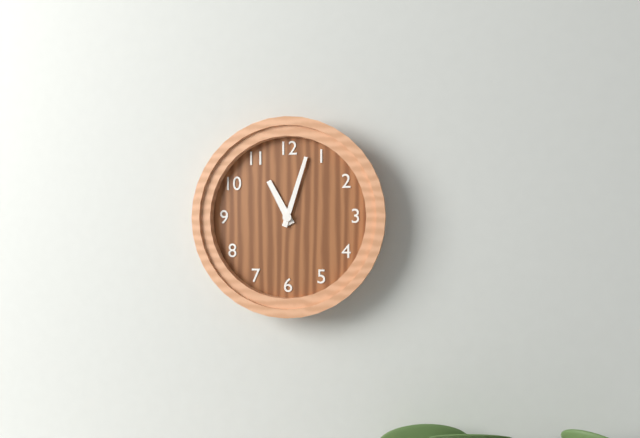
11,03
